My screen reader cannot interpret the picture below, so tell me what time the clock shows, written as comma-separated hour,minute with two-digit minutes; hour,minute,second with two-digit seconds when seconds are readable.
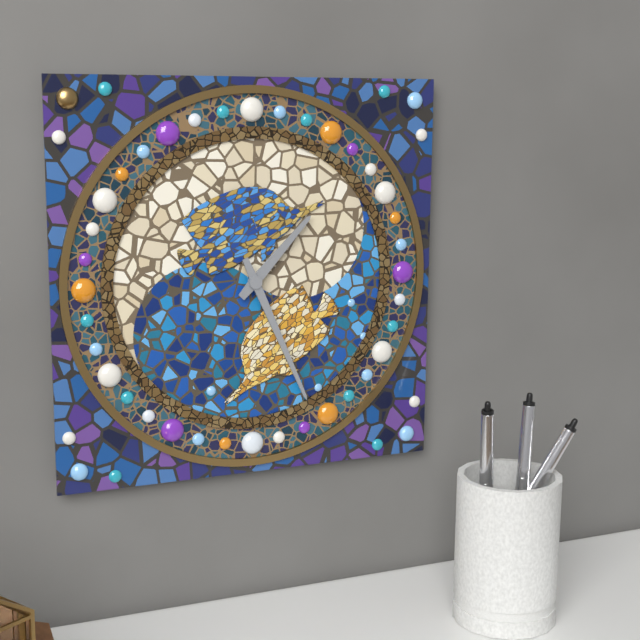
1,26
